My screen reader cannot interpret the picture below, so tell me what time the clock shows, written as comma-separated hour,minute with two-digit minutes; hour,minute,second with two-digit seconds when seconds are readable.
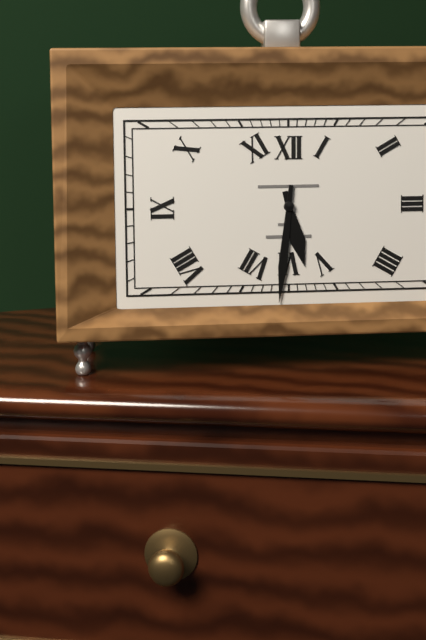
5,31
